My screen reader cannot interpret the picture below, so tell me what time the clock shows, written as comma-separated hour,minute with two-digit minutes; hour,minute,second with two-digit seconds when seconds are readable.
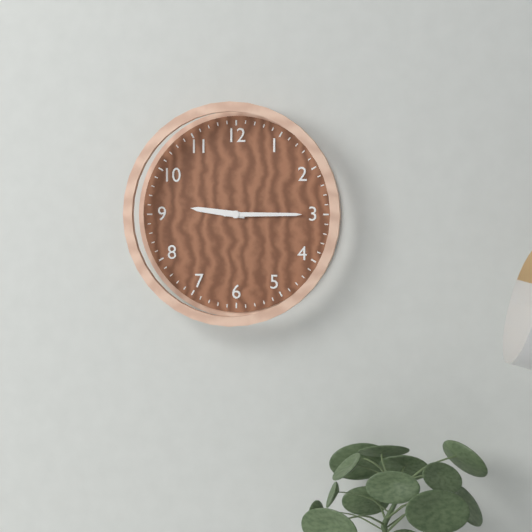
9,15
